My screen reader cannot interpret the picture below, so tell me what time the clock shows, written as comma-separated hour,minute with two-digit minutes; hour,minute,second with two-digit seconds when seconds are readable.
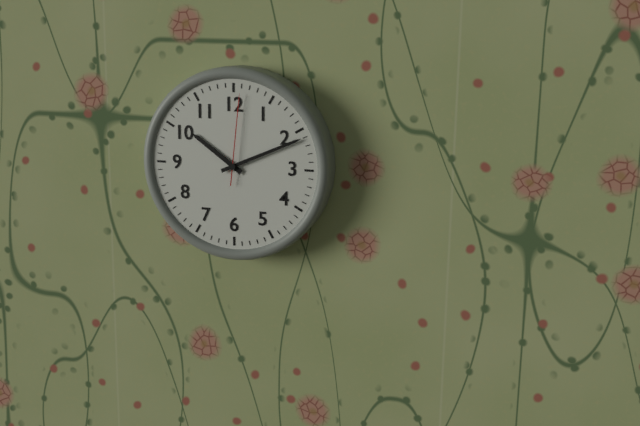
10,11,01
